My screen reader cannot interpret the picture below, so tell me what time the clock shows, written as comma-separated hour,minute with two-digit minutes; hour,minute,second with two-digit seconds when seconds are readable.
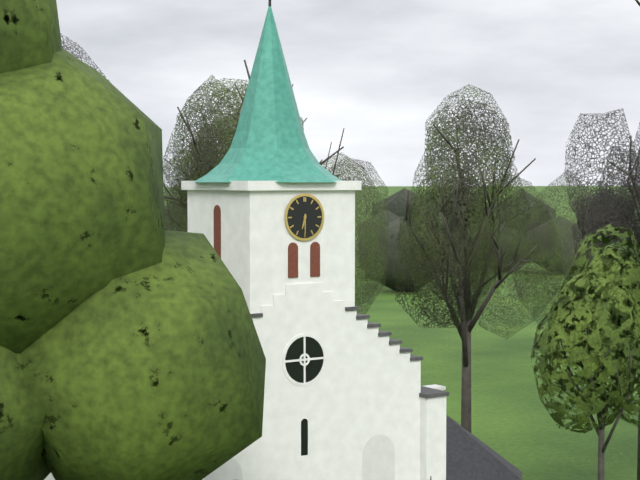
6,30
